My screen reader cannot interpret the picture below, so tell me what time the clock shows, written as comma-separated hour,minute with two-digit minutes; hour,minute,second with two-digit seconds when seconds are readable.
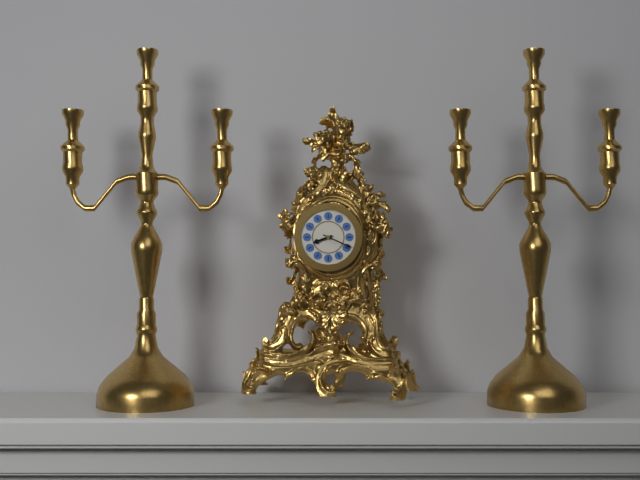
8,19
